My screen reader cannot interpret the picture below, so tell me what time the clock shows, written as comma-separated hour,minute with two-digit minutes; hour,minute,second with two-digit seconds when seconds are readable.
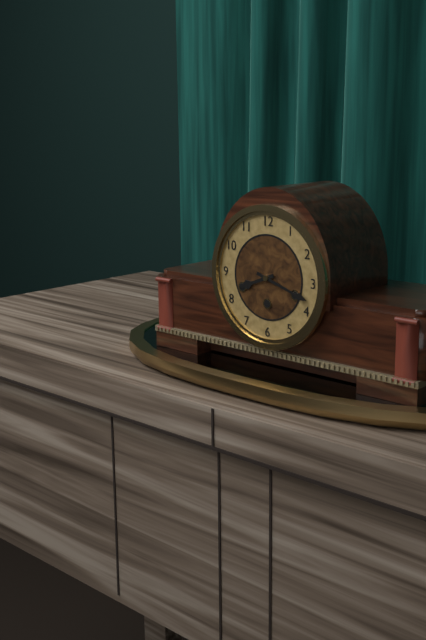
8,18
